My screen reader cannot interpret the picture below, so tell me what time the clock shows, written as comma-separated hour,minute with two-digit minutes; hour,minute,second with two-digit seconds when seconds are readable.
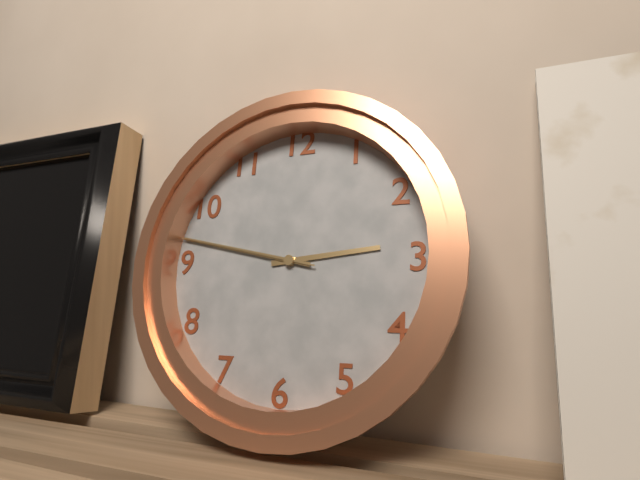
2,47,47
